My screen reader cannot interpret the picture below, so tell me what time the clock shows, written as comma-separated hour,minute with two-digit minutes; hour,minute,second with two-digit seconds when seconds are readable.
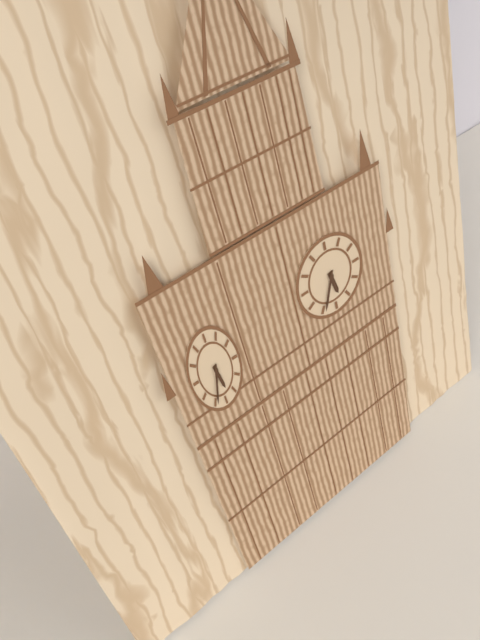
5,34
